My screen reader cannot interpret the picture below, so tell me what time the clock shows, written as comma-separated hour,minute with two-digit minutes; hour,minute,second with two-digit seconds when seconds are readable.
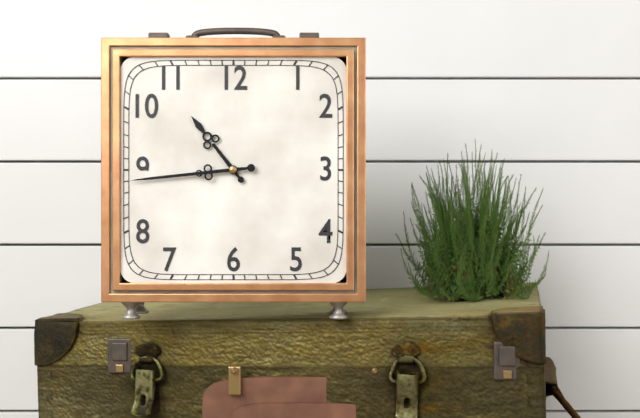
10,44
